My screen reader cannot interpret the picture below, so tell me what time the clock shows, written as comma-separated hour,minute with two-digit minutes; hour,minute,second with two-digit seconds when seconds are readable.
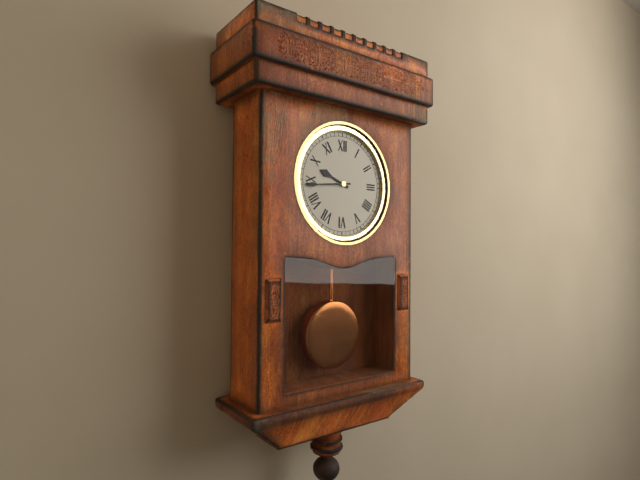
9,44
